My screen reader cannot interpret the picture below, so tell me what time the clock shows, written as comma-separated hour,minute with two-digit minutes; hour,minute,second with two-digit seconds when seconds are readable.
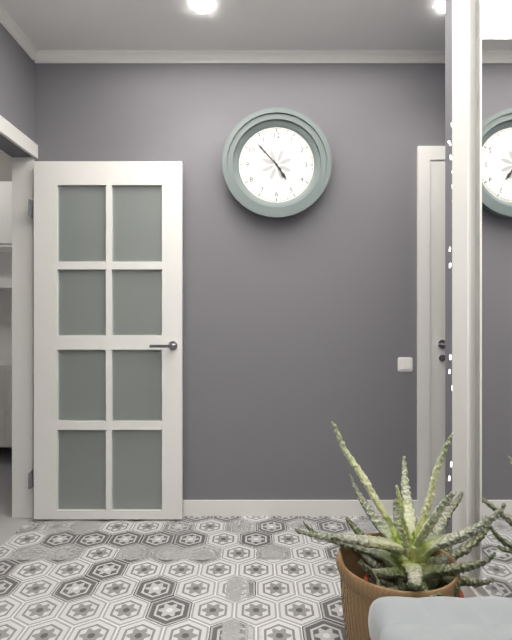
4,53
